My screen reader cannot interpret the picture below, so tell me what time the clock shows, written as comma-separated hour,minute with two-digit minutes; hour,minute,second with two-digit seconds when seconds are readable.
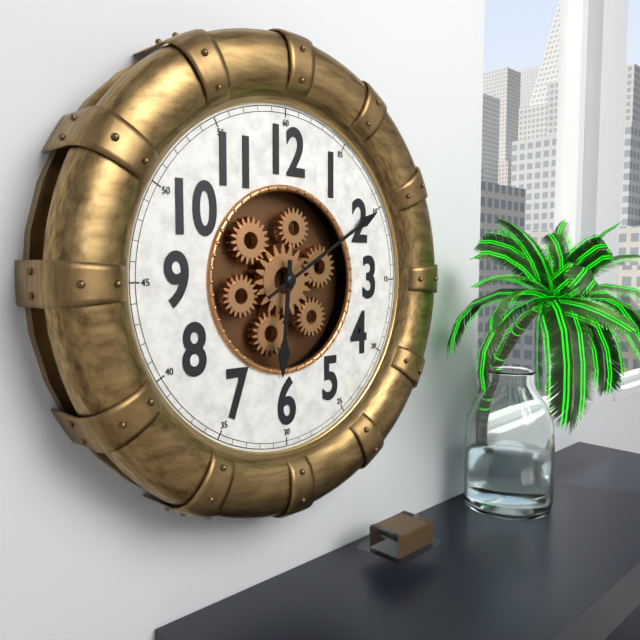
6,10
